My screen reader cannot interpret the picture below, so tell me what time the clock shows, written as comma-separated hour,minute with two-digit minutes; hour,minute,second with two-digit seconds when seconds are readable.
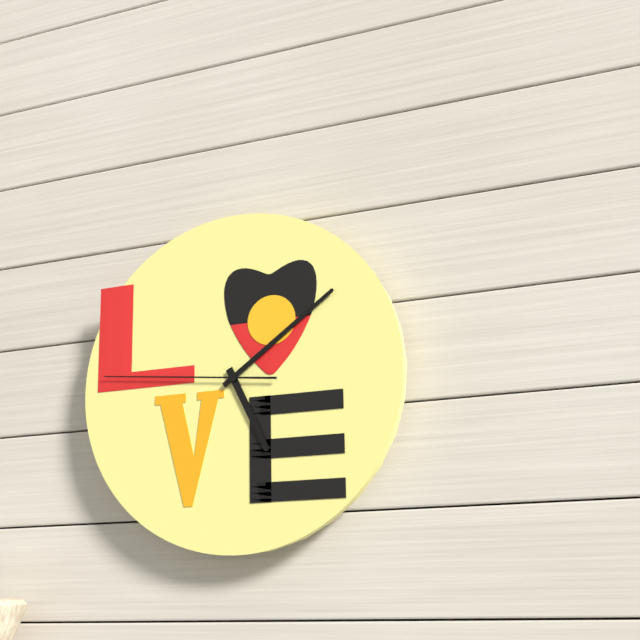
5,09,46
